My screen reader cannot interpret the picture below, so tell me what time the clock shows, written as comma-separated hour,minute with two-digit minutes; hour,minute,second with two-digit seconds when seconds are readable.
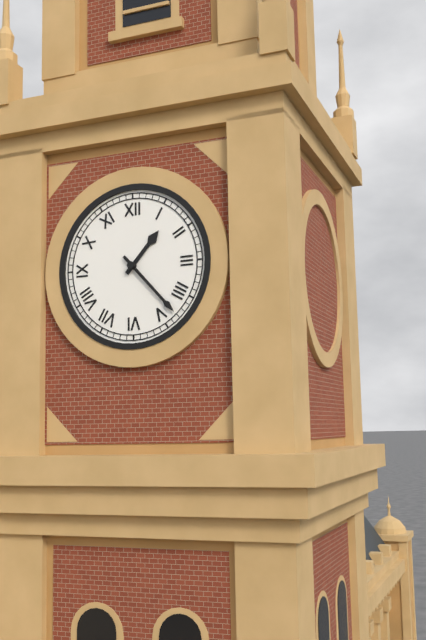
1,23
